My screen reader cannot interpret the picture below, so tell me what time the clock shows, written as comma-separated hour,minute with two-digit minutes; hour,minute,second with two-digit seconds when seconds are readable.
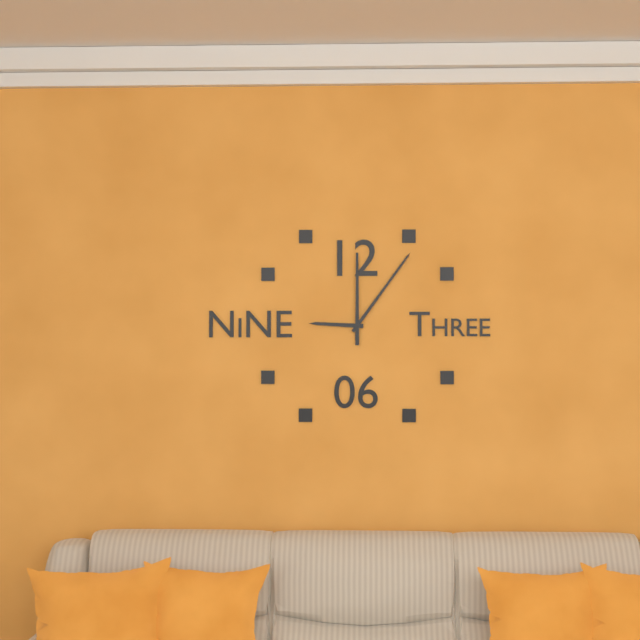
9,06,00
